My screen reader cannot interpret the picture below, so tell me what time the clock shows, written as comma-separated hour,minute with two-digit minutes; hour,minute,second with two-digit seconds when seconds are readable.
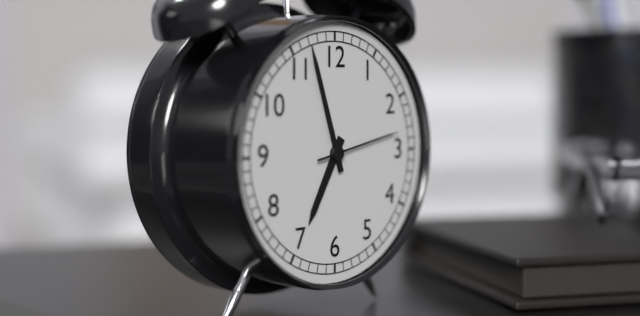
6,57,13
